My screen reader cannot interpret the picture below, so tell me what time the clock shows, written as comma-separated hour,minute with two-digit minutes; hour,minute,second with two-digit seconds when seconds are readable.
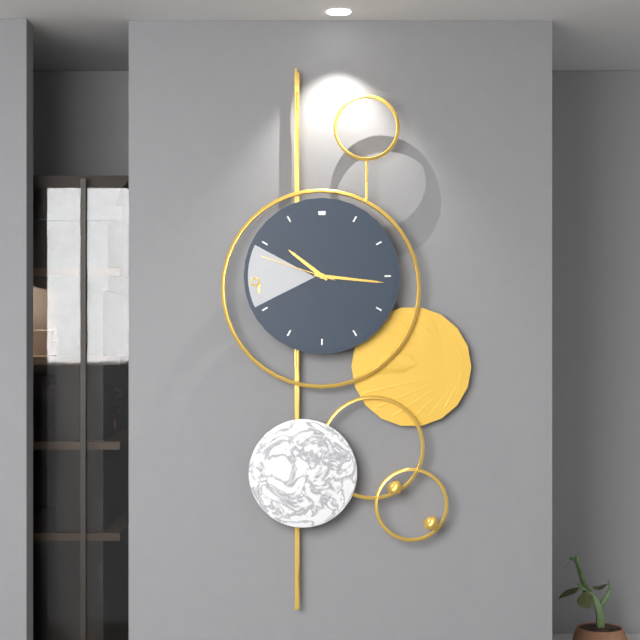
10,16,48
